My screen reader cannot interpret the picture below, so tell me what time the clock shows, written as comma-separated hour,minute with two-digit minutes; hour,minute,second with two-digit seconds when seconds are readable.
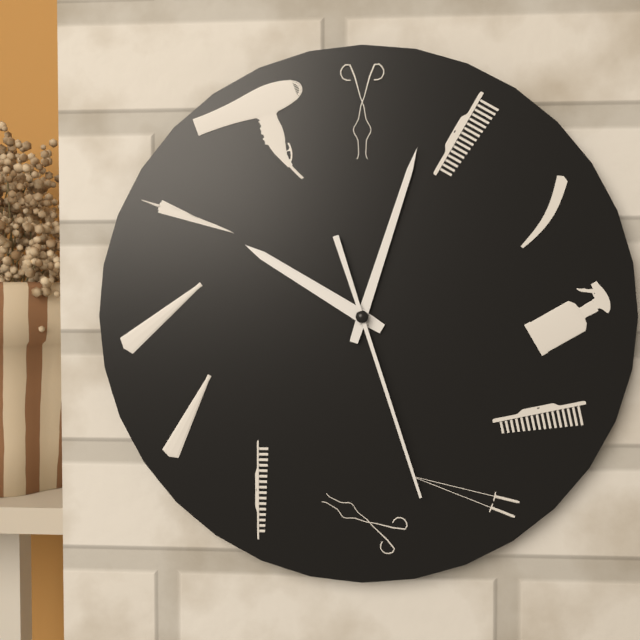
10,03,27
